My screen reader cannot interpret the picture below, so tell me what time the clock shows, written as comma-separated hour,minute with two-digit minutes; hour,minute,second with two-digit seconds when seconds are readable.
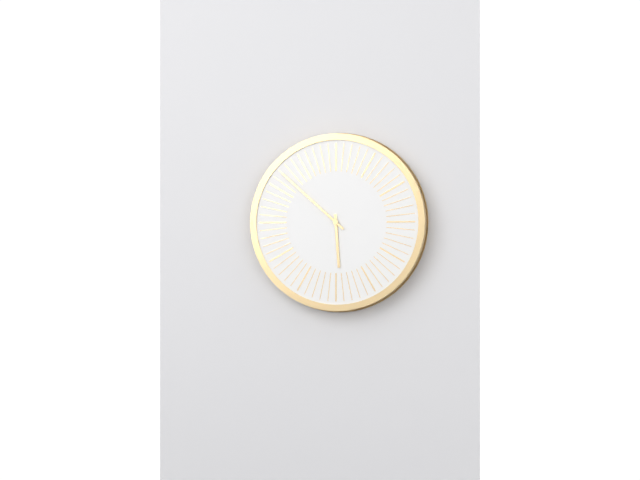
5,52
